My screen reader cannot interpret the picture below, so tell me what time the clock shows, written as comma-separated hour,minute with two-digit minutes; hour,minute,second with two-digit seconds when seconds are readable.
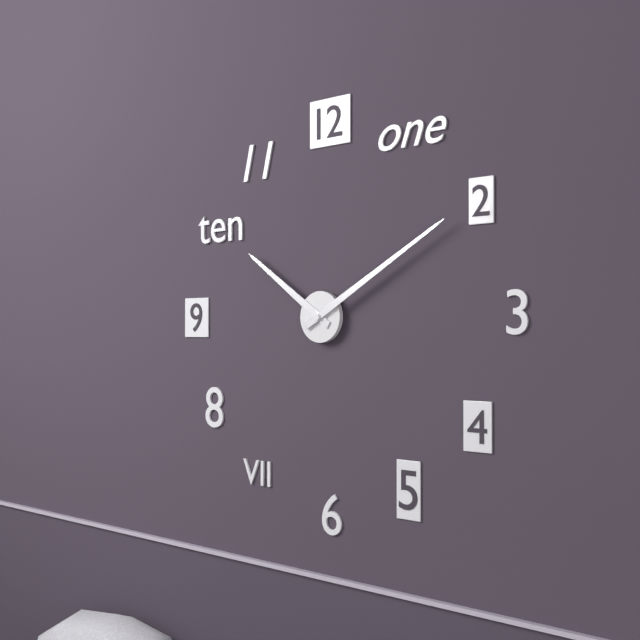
10,10
